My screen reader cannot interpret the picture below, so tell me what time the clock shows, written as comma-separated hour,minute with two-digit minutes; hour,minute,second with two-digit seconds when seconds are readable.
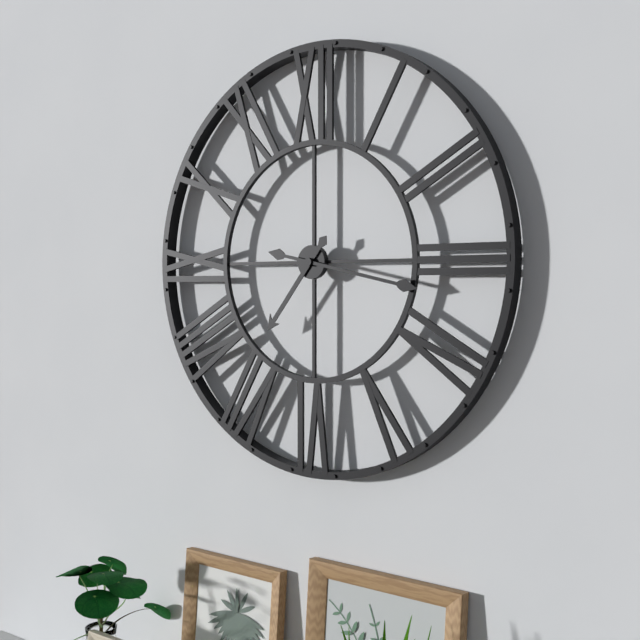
7,17
